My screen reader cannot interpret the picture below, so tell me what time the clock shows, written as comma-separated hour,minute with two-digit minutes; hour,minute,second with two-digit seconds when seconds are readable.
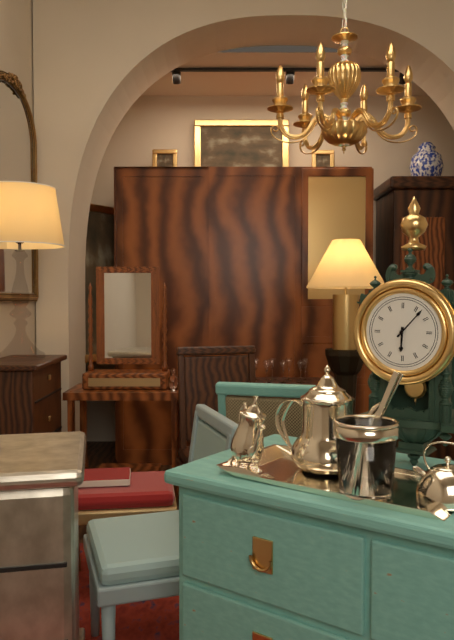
6,07
